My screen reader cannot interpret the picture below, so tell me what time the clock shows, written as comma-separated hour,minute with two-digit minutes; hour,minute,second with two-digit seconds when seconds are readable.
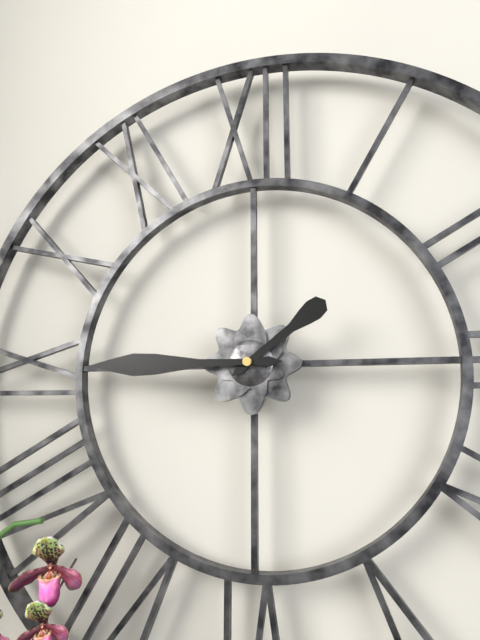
1,45
